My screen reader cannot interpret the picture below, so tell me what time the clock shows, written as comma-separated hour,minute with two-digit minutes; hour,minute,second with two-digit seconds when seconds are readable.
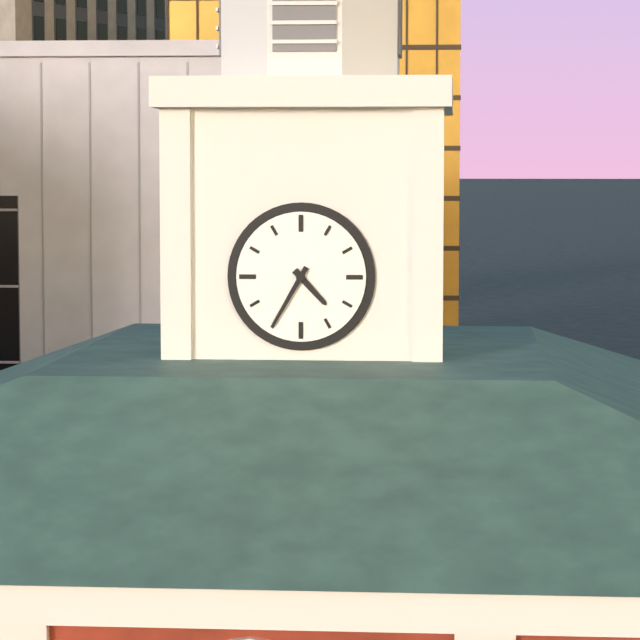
4,35
